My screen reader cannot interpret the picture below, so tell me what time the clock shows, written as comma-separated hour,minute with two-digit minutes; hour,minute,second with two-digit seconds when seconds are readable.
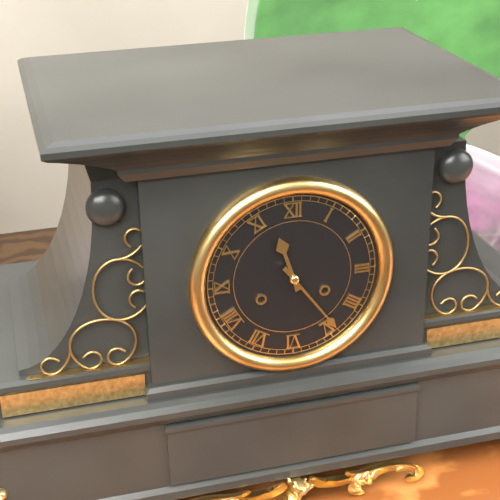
11,24
